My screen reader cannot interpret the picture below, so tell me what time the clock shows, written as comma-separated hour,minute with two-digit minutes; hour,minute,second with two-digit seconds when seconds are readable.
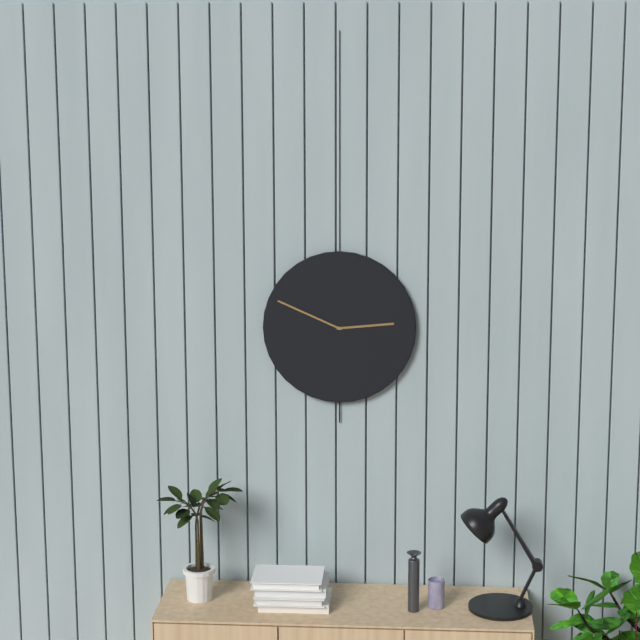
2,49
